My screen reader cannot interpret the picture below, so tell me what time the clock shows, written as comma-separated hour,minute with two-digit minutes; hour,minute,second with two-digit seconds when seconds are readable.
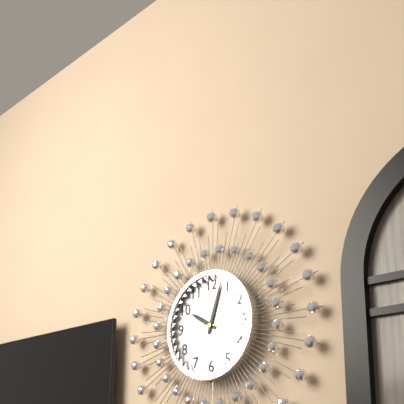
10,03
